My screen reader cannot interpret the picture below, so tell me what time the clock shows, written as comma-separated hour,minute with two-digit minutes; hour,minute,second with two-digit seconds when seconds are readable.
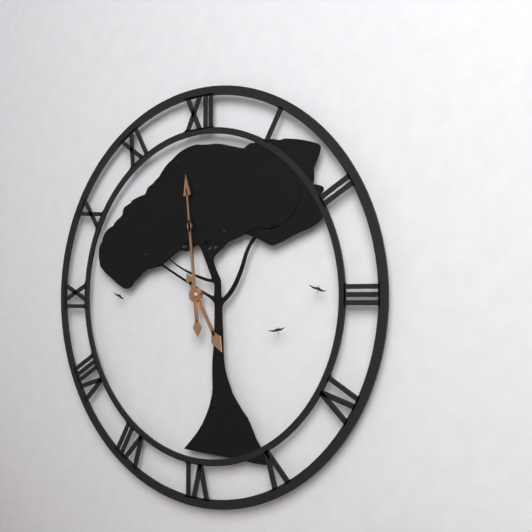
4,59
